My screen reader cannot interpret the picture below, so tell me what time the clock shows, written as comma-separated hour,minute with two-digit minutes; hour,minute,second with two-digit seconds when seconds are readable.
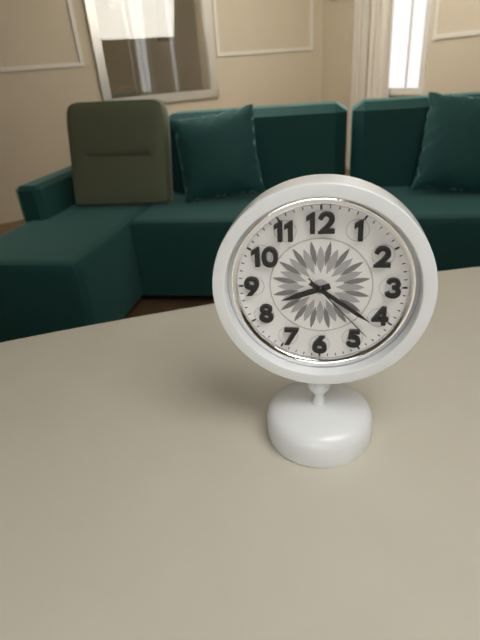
8,21,23
